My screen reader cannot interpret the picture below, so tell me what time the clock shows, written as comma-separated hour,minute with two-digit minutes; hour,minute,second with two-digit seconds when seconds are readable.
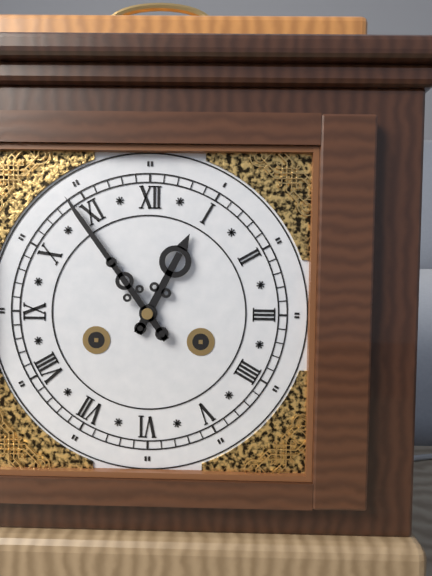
12,54
